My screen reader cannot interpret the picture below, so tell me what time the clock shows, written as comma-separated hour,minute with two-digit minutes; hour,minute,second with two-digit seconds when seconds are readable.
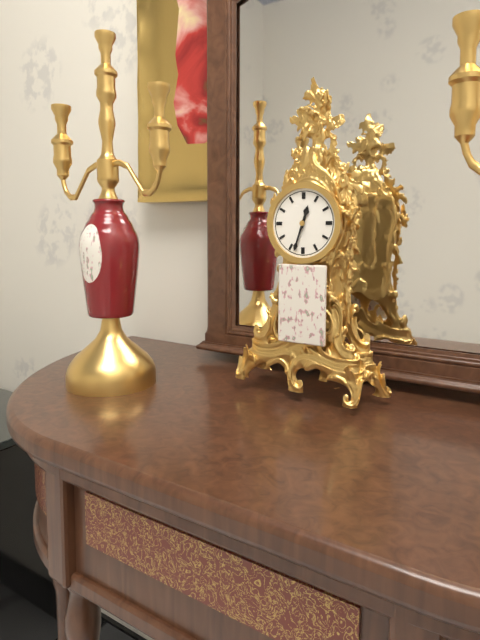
12,33
